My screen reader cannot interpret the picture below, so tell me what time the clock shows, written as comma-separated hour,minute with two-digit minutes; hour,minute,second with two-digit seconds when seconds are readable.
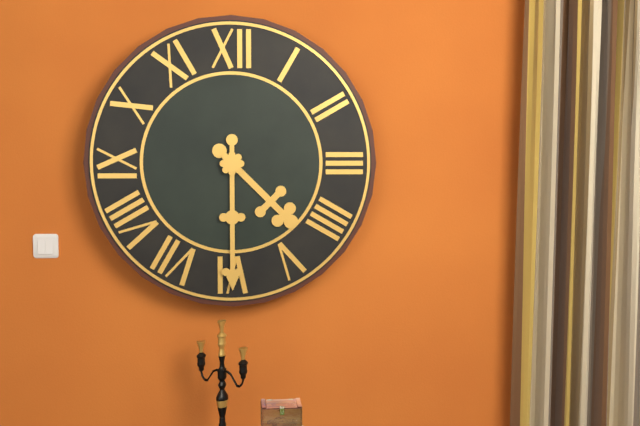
4,30
